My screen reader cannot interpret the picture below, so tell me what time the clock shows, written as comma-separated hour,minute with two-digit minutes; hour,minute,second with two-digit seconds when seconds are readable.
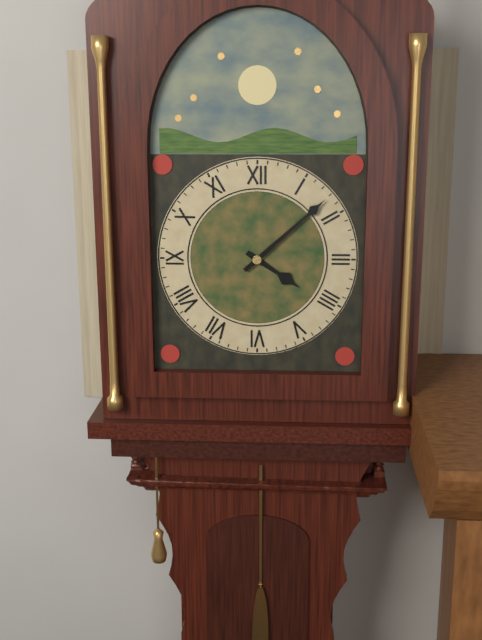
4,08
